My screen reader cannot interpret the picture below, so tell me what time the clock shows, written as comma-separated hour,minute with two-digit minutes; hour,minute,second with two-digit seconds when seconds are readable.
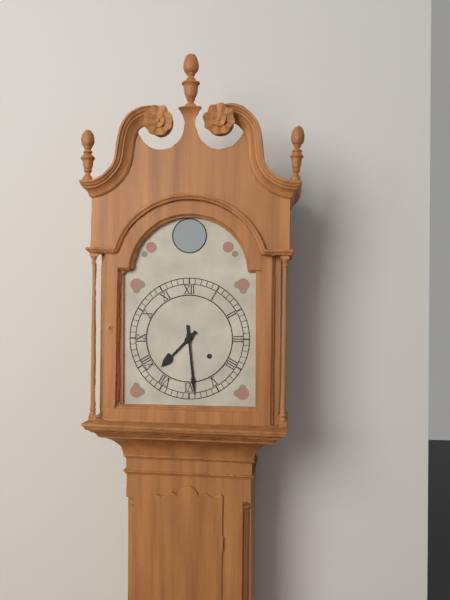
7,29
